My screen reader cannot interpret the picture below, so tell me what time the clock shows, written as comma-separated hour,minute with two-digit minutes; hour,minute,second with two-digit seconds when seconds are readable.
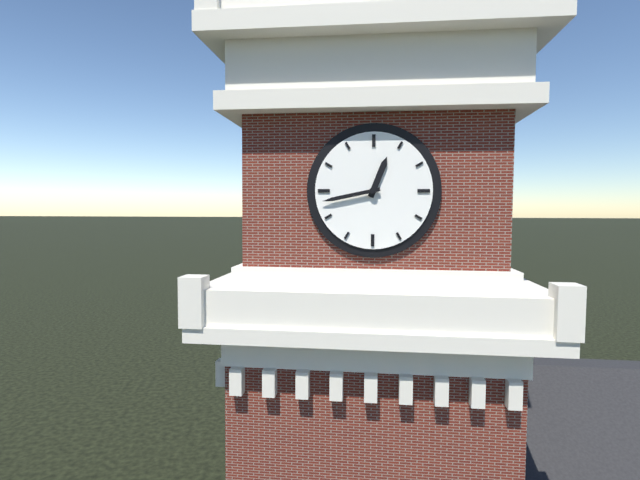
12,43
